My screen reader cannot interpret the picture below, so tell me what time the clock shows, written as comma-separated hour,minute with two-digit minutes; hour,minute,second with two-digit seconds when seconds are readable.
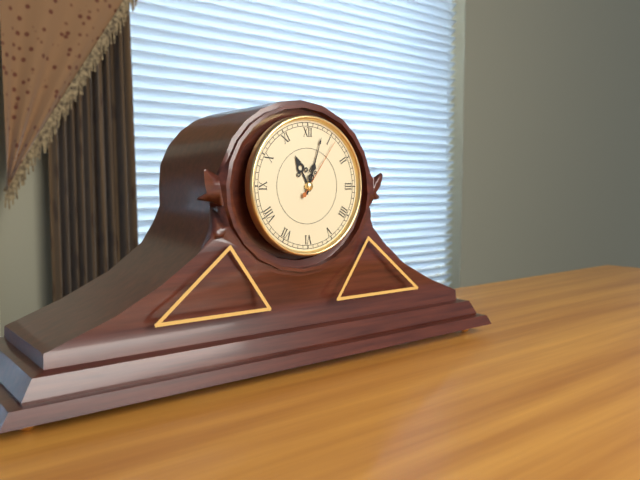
11,03,06
